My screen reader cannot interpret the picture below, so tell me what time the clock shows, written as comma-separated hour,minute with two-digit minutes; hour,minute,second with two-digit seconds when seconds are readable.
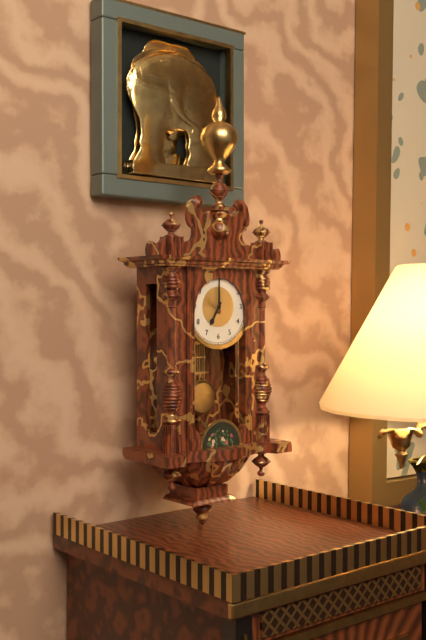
7,00
